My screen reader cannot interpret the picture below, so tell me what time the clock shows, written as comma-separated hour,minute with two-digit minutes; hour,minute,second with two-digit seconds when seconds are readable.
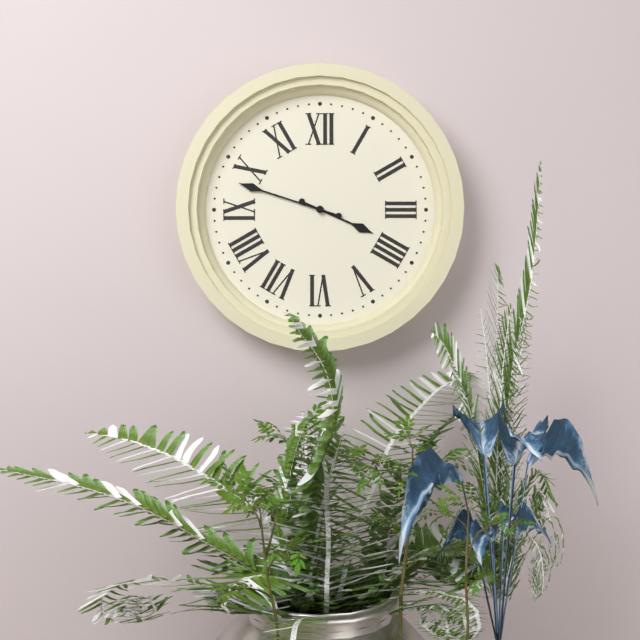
3,48
